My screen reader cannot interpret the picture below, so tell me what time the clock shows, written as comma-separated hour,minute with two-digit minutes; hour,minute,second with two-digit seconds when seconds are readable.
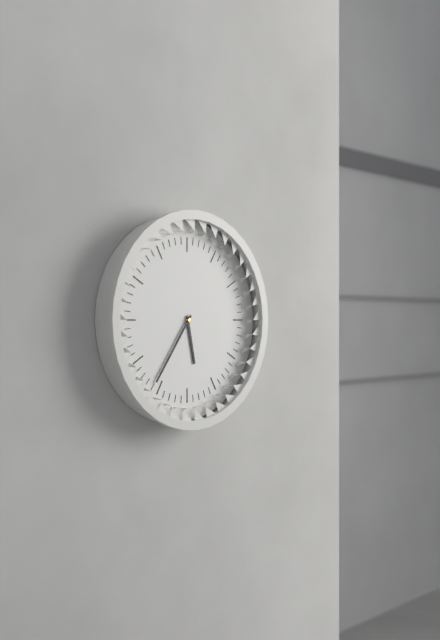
5,36
